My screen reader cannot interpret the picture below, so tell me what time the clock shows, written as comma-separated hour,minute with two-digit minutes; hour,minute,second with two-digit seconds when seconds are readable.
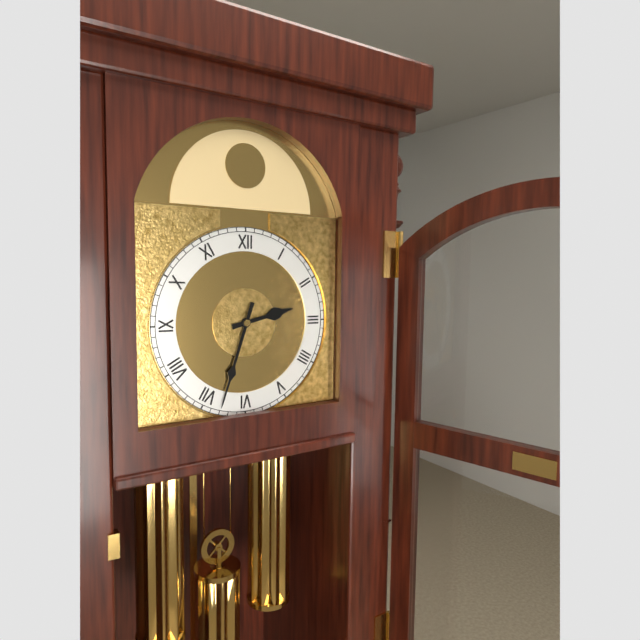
2,33
